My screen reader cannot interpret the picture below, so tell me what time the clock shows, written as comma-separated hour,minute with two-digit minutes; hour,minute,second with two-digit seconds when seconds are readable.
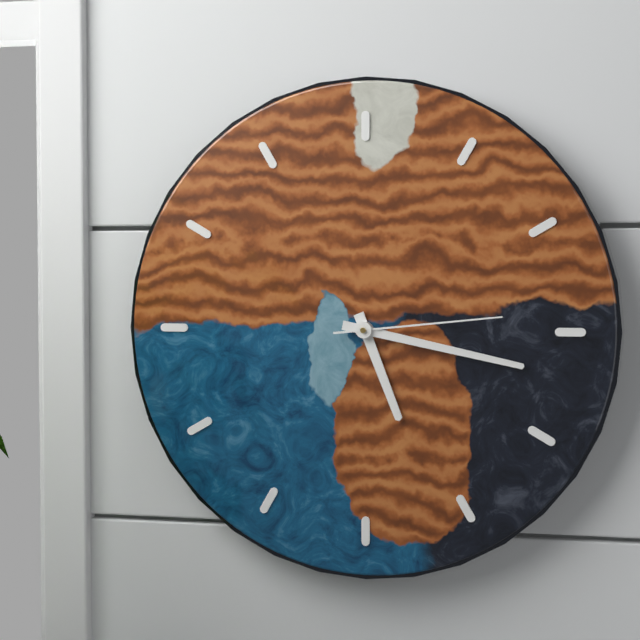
5,17,14
